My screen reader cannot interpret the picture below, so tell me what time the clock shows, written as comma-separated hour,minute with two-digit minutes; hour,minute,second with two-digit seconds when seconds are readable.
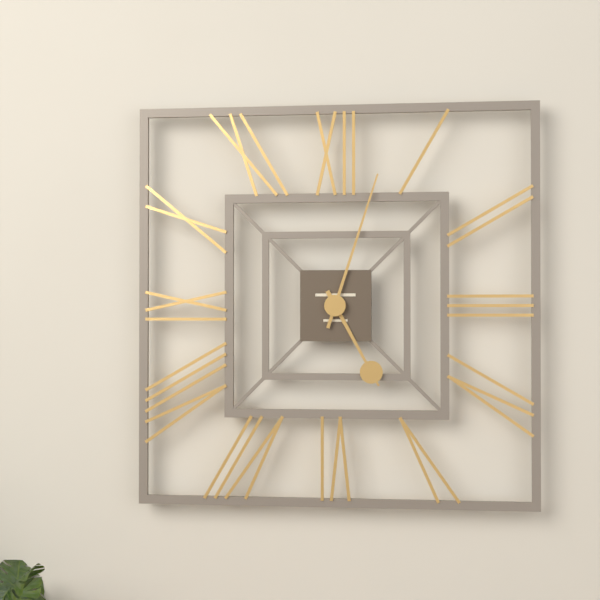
5,03
